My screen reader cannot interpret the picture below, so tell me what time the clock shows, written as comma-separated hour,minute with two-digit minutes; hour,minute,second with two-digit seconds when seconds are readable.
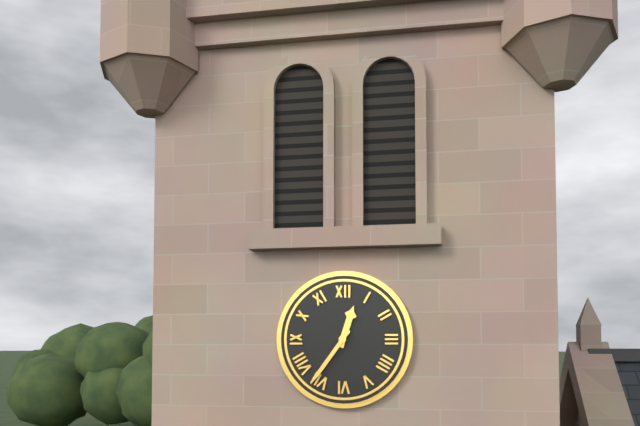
12,36
